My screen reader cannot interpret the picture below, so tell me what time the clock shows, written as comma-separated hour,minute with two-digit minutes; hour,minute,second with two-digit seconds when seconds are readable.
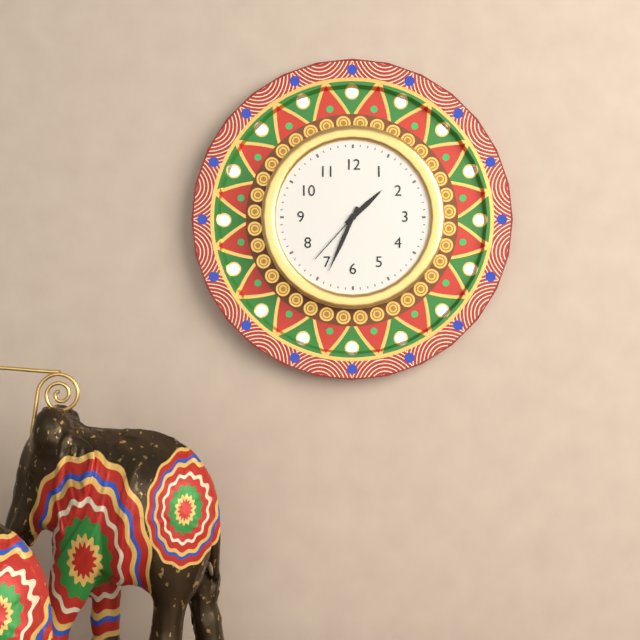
1,34,37
